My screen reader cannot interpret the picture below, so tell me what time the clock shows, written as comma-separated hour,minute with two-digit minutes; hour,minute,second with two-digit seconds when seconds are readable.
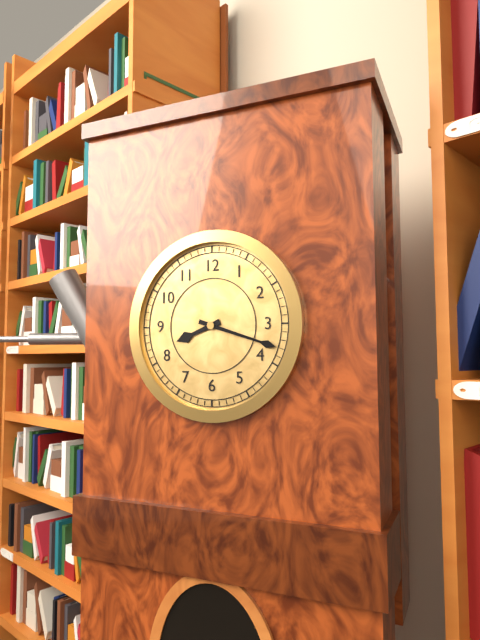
8,18
